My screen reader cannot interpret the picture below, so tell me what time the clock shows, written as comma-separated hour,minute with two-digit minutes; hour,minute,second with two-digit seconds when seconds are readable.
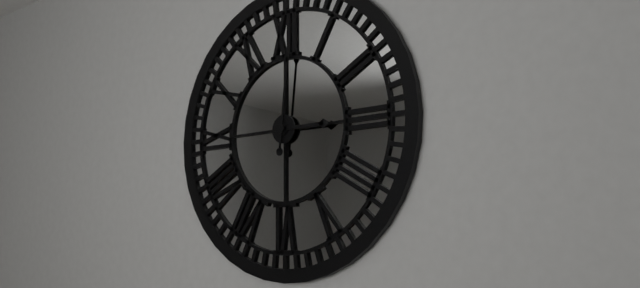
3,01
